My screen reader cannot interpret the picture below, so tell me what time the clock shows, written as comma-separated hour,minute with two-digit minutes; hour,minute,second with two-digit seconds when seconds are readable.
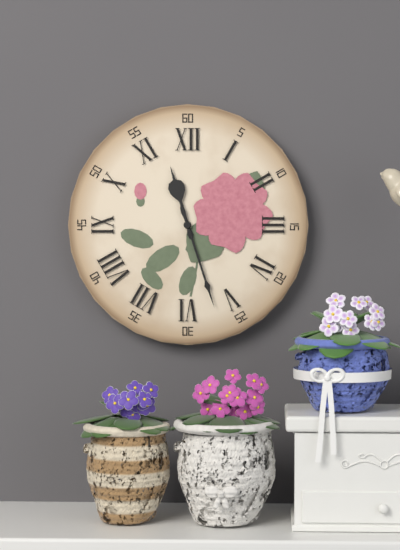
11,27
